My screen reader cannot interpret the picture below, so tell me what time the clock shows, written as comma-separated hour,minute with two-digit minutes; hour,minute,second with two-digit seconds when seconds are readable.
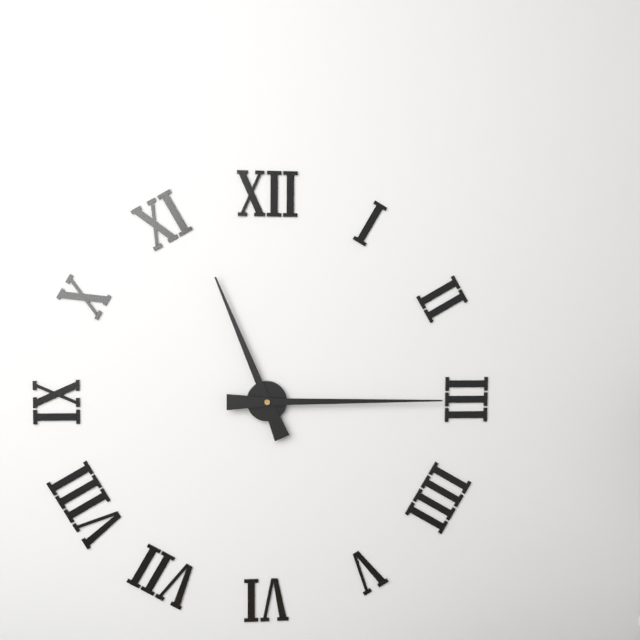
11,15
